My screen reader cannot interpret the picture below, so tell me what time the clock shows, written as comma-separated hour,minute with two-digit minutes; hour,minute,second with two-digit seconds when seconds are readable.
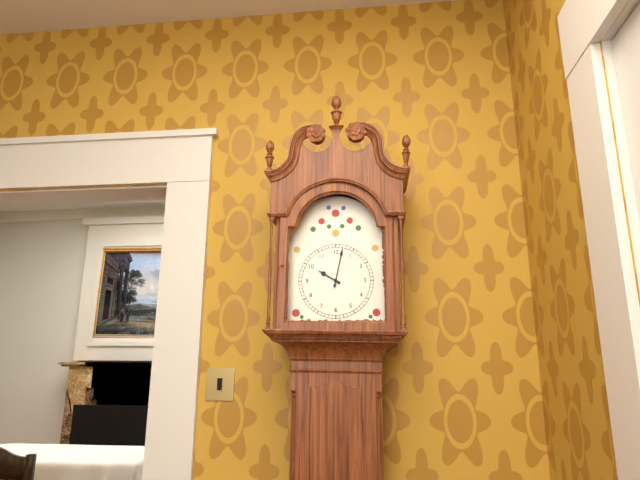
10,02
